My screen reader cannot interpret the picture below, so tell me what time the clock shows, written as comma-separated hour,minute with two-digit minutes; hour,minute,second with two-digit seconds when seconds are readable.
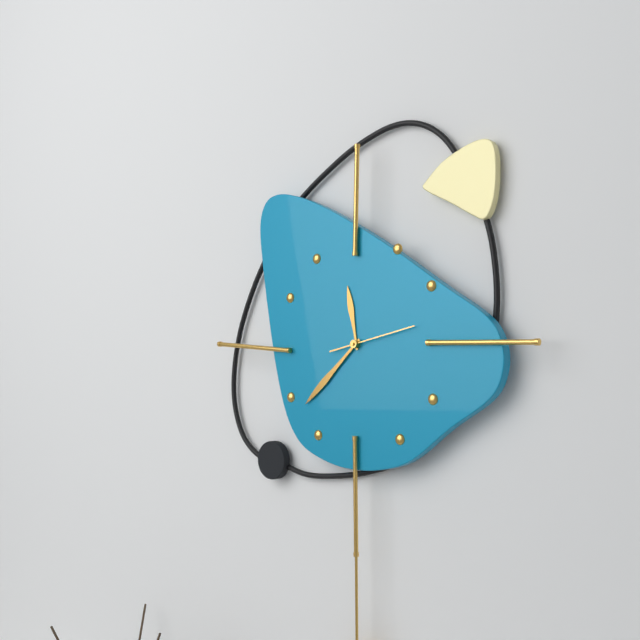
11,38,13
